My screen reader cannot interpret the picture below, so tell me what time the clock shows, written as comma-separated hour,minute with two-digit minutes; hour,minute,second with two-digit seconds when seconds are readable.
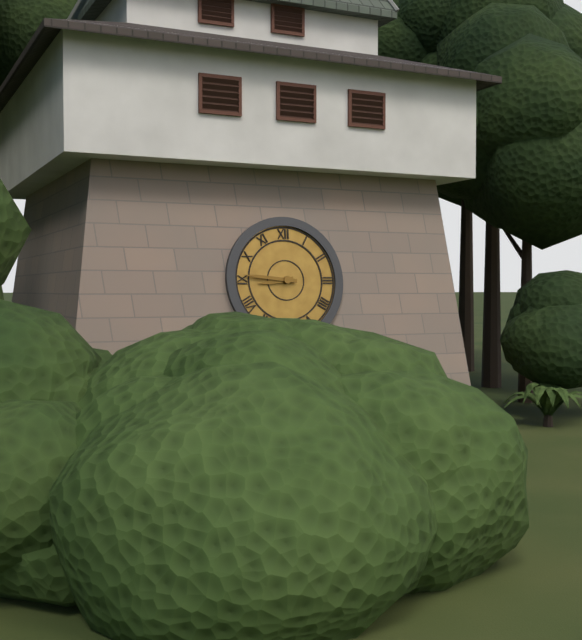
8,46
